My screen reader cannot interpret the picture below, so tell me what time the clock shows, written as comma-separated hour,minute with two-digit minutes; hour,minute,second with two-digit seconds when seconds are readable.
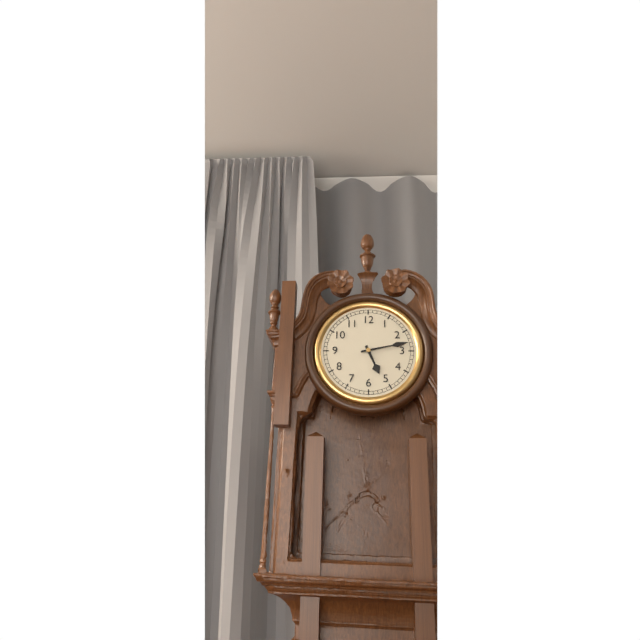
5,13
